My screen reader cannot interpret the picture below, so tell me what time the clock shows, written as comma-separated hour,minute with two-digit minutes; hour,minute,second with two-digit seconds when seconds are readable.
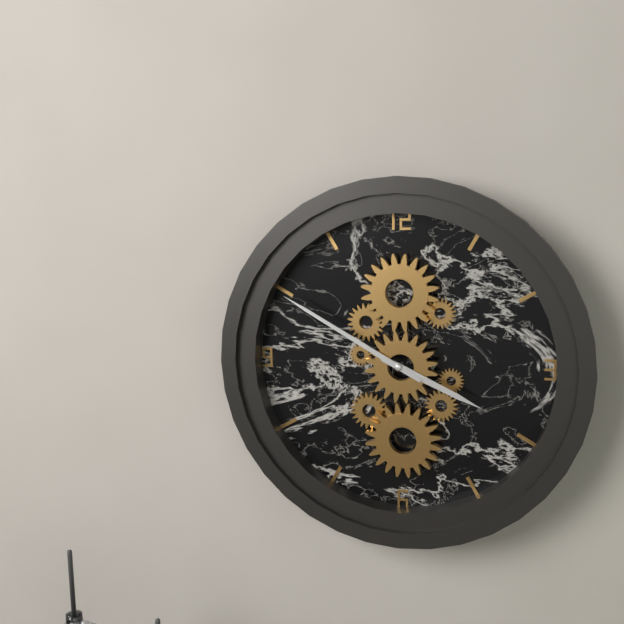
3,50
